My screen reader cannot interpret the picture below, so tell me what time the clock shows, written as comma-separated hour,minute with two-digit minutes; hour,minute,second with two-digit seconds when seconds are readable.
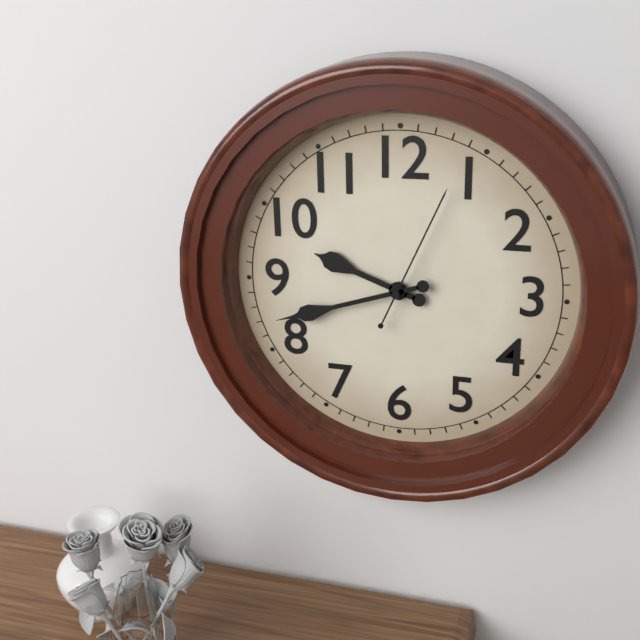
9,42,04
